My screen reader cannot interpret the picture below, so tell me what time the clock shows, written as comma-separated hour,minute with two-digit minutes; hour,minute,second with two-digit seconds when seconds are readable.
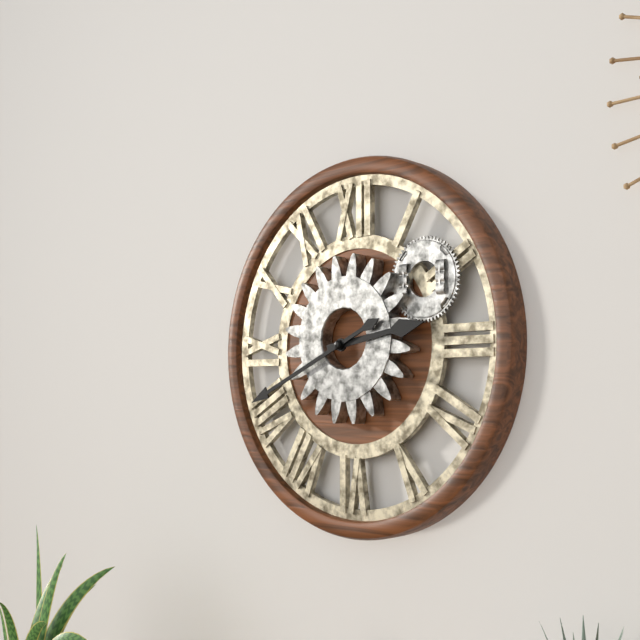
2,41
